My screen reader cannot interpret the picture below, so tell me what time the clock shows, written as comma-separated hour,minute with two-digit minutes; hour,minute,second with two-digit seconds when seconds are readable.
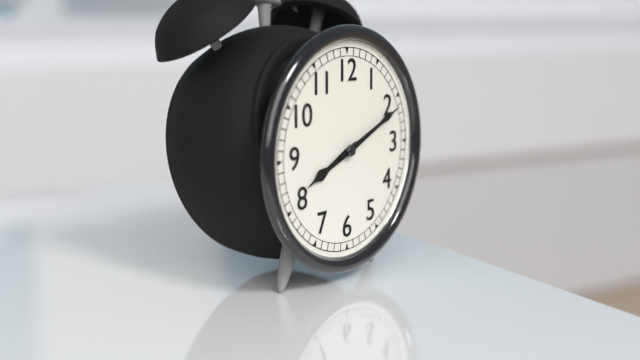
8,11
